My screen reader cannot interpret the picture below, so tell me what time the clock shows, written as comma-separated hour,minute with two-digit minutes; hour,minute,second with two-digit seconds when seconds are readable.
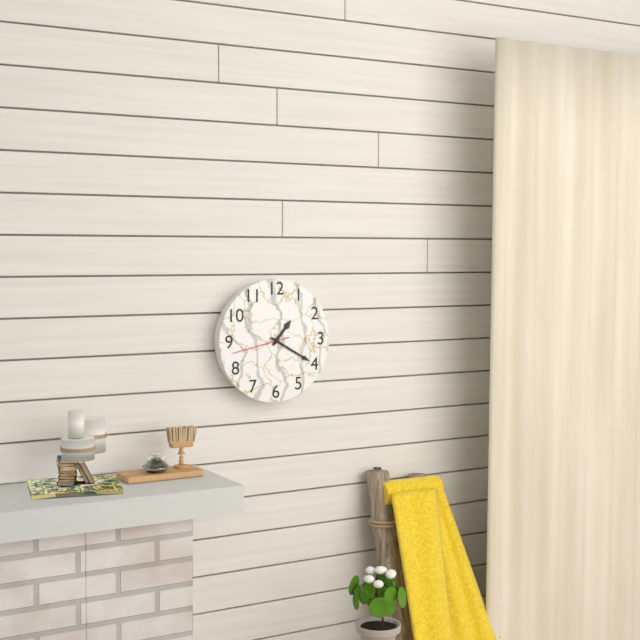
1,20,43
